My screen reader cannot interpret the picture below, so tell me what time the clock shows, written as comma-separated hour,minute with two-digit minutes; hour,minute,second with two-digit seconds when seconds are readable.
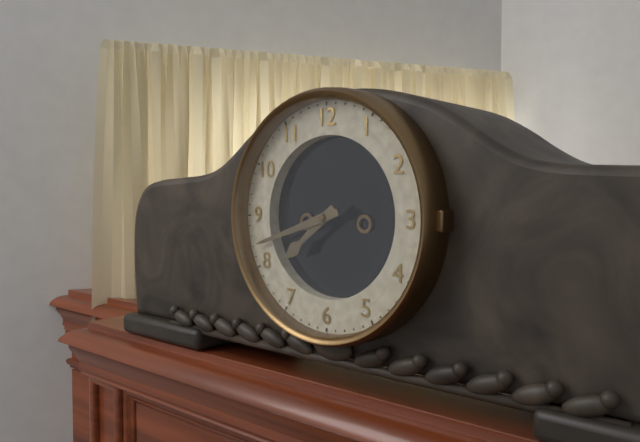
7,42
